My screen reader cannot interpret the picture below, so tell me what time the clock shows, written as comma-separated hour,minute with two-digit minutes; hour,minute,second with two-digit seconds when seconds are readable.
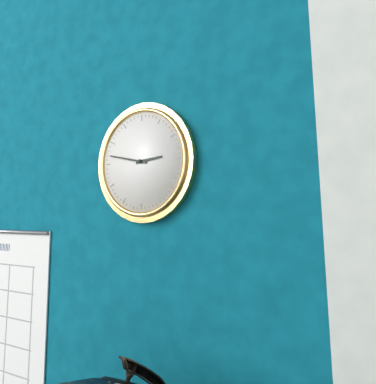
2,47
